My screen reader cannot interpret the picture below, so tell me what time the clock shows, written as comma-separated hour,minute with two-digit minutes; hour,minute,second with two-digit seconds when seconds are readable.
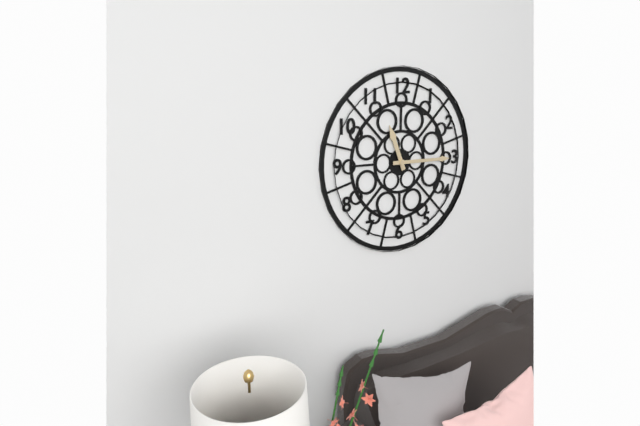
11,15
